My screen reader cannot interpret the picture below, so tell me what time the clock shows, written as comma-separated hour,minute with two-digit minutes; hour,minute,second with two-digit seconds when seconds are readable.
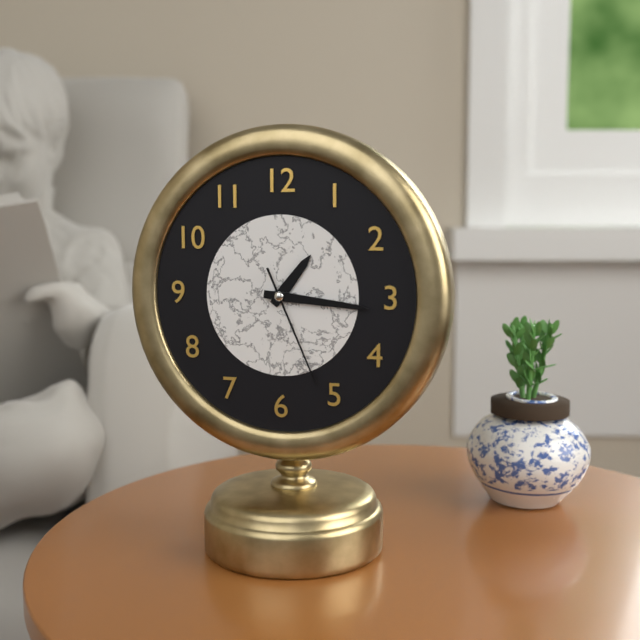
1,16,26
